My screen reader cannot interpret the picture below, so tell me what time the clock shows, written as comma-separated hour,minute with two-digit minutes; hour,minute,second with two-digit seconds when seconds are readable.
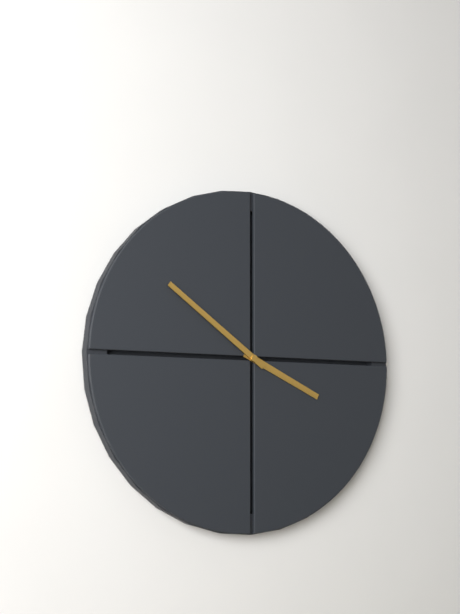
3,51
